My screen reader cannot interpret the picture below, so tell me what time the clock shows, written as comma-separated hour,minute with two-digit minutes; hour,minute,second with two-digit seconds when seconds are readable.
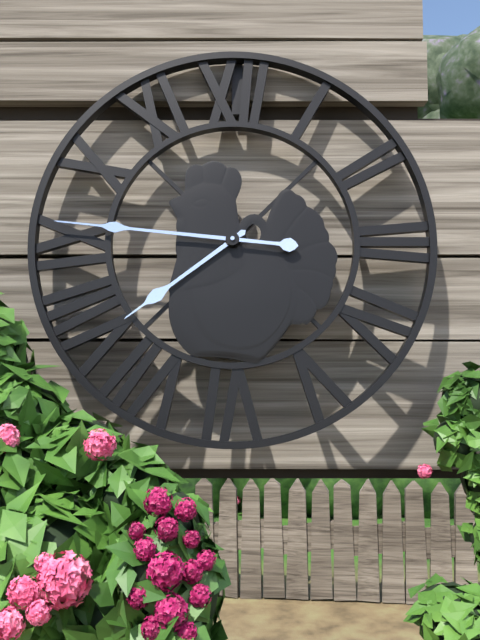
7,46
